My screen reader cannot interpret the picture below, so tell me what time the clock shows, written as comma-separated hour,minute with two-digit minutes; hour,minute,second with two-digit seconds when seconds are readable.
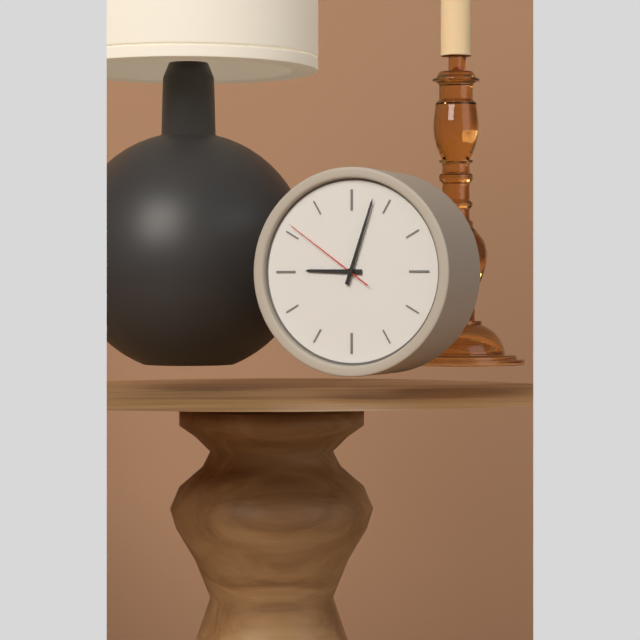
9,03,51
